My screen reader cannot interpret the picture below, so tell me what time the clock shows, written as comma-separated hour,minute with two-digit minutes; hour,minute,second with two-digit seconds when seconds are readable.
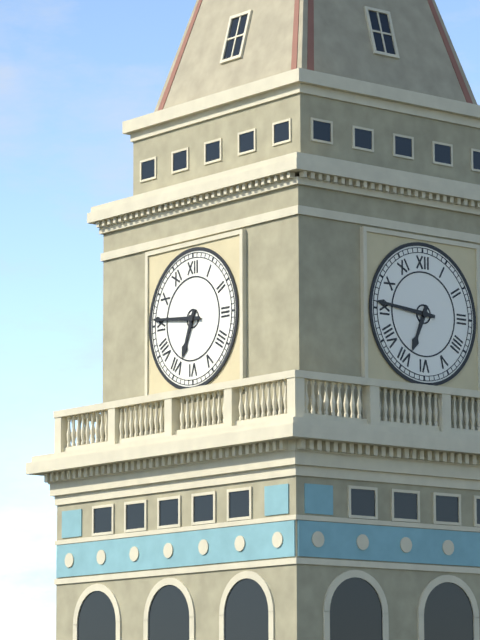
6,46
